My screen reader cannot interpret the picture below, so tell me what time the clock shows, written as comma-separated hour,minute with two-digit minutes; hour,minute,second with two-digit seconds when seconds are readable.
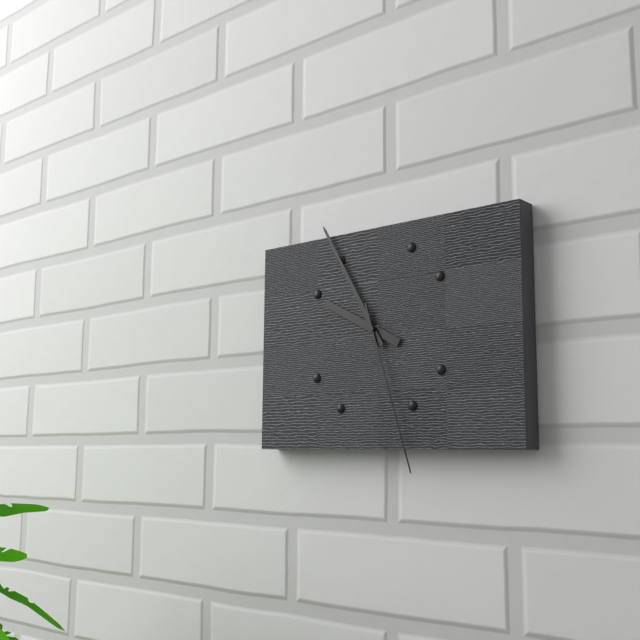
9,55,27
